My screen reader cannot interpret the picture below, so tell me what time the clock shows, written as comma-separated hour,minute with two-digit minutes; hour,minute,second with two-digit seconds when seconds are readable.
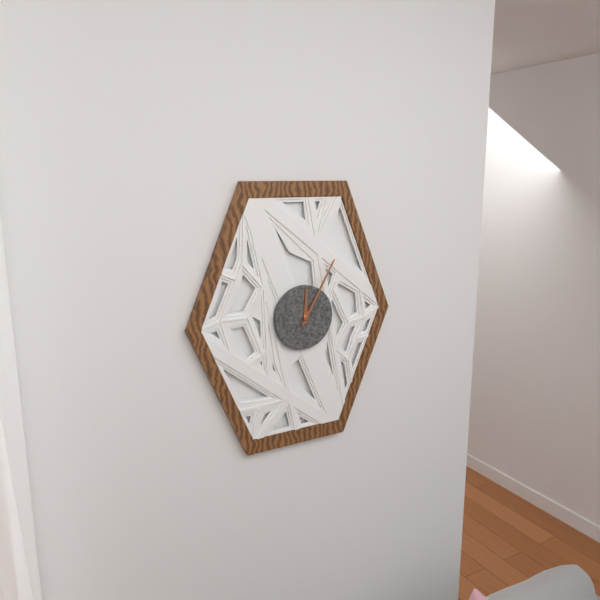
12,05
